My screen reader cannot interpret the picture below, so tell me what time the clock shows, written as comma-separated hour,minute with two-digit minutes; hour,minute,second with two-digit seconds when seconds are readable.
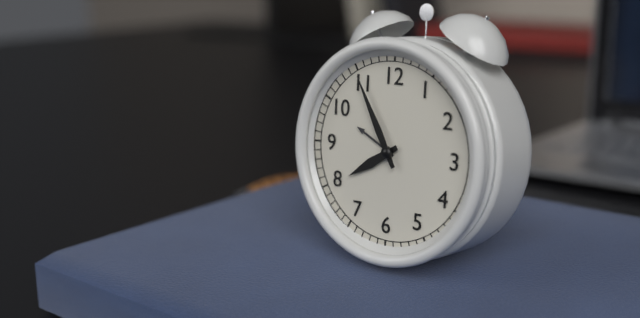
7,55
